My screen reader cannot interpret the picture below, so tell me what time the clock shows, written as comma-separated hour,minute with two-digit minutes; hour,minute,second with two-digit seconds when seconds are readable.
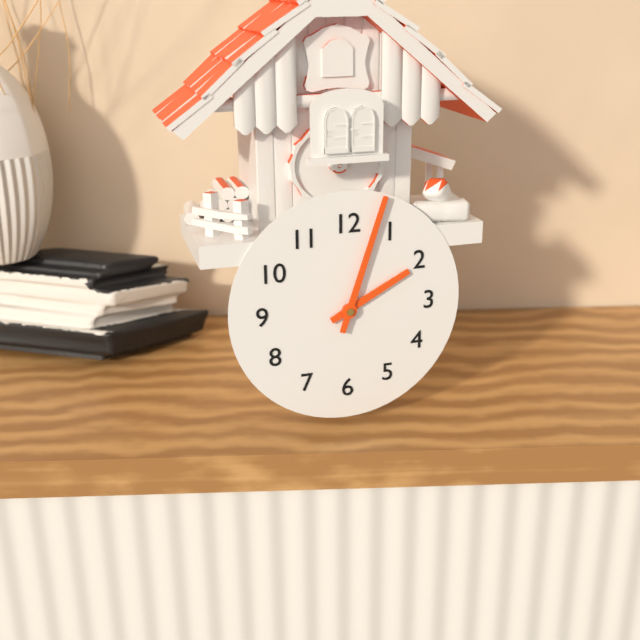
2,03
